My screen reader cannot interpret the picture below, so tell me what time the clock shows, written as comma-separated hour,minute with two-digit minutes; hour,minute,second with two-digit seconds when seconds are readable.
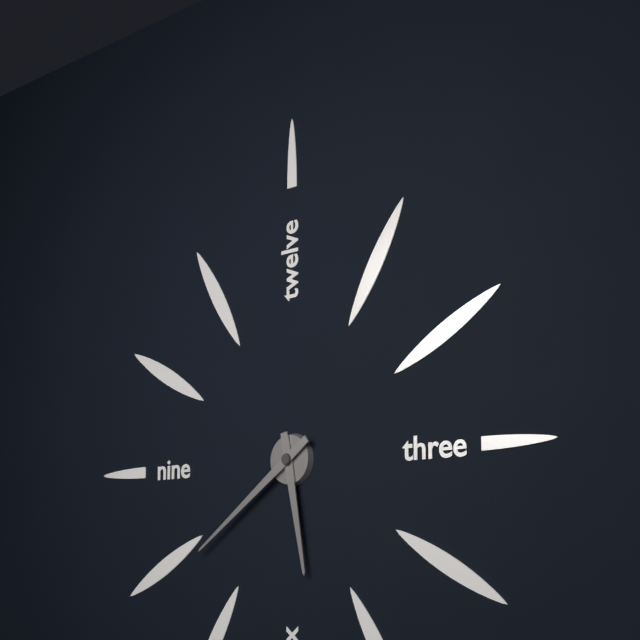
5,39
